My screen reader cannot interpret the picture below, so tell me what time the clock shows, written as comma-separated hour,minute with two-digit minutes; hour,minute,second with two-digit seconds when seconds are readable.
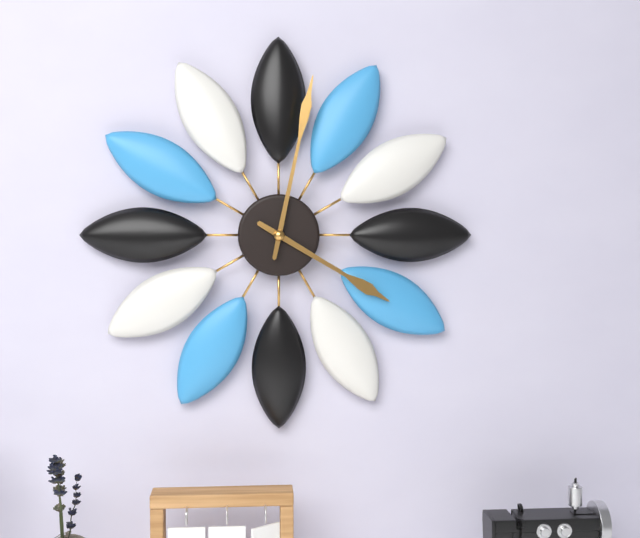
4,02
